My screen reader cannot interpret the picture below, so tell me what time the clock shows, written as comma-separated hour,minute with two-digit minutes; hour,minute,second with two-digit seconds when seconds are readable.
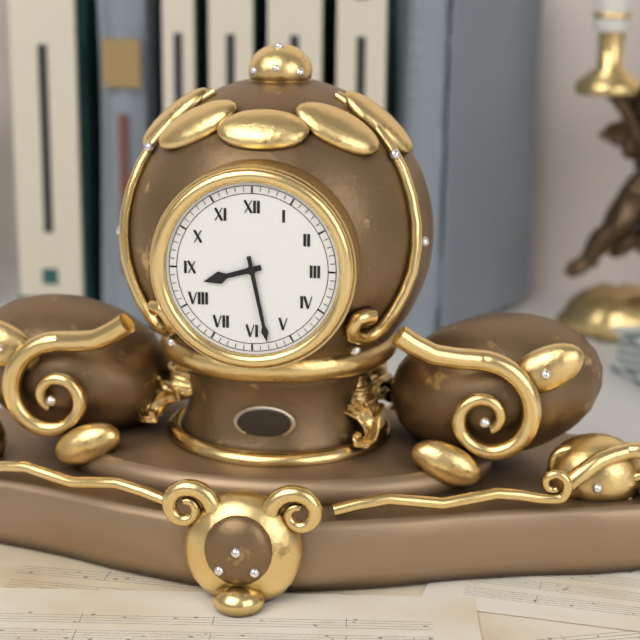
8,28
